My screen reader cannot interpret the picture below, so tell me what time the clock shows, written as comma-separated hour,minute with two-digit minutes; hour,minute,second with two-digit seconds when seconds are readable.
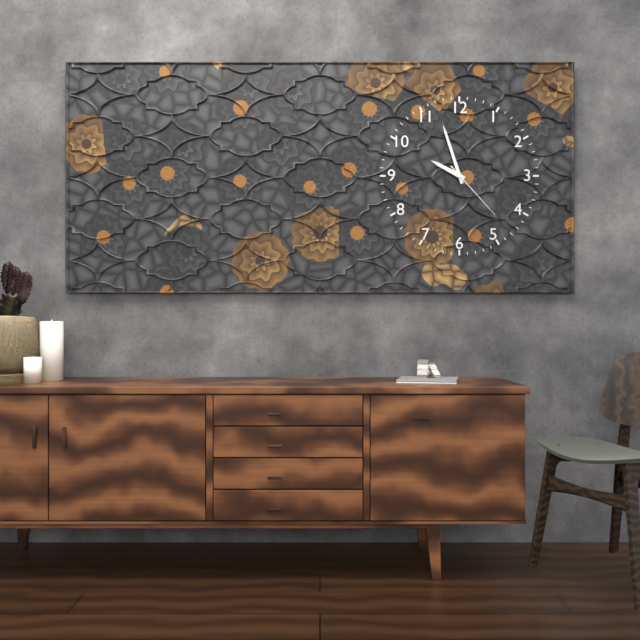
9,57,23
